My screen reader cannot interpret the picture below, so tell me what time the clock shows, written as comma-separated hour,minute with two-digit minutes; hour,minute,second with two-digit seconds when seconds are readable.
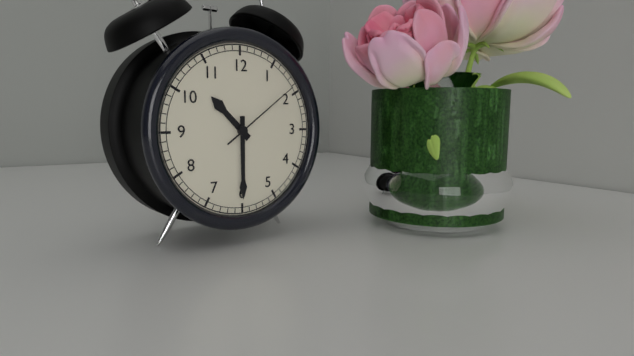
10,30,09
